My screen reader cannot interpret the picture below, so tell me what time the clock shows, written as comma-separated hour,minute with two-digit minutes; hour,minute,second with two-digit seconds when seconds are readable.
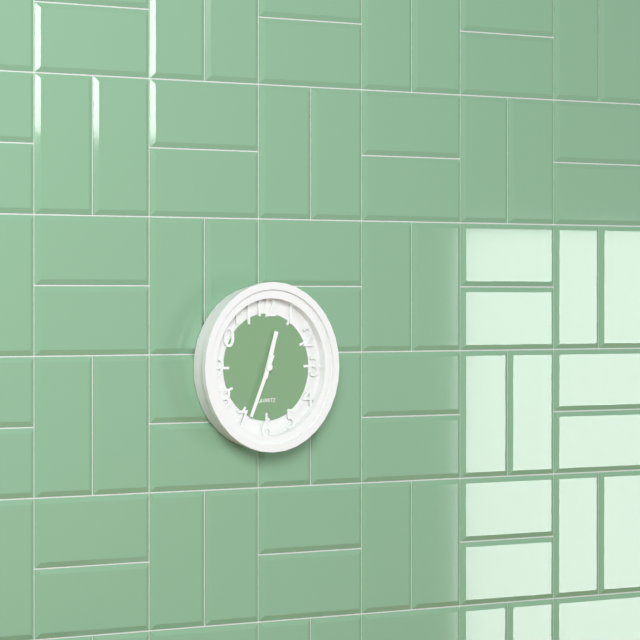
12,34
